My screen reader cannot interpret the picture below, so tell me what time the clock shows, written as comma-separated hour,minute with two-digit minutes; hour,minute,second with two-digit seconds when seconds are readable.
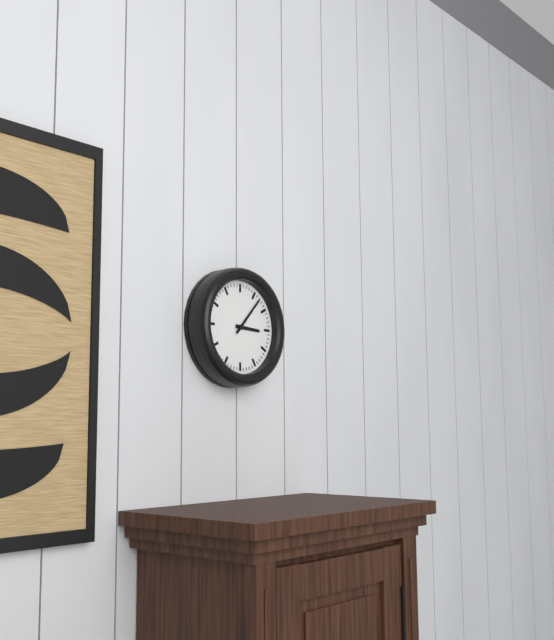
3,07
